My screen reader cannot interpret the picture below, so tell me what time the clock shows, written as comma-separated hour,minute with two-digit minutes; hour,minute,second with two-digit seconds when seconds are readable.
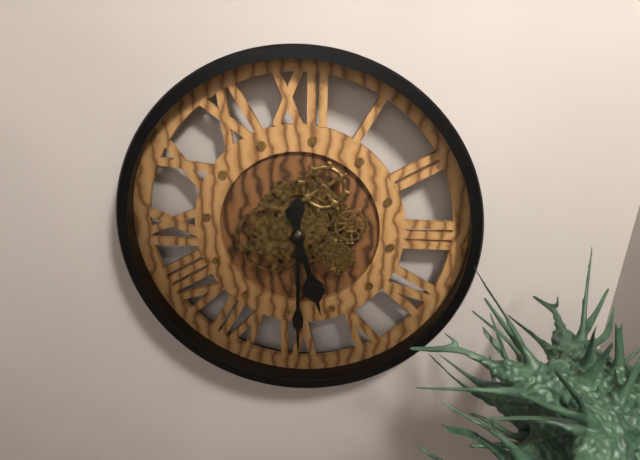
5,30
